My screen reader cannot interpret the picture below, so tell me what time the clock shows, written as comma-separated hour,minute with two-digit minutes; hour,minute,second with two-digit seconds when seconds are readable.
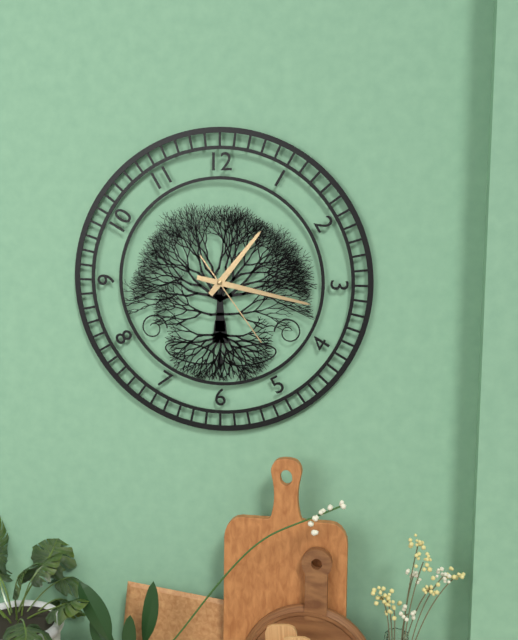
1,17,24
